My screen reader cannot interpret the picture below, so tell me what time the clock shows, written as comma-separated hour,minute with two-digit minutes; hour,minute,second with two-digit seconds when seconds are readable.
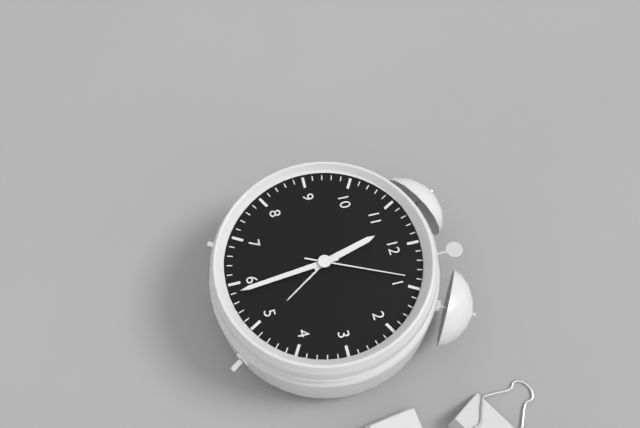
11,29,04
